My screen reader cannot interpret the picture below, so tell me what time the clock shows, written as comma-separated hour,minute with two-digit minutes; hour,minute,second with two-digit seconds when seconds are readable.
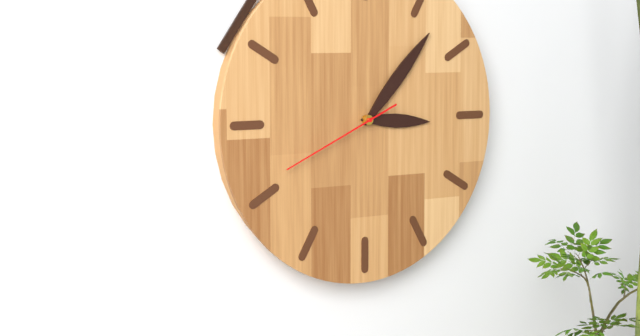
3,07,41
